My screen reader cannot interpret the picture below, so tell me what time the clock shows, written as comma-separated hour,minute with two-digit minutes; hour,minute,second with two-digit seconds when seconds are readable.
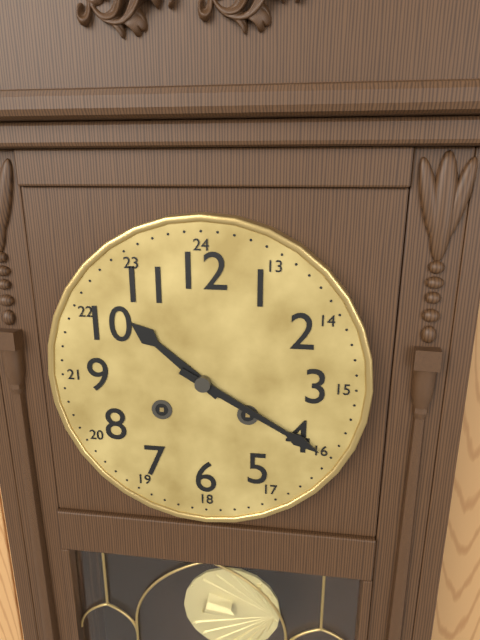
10,20
